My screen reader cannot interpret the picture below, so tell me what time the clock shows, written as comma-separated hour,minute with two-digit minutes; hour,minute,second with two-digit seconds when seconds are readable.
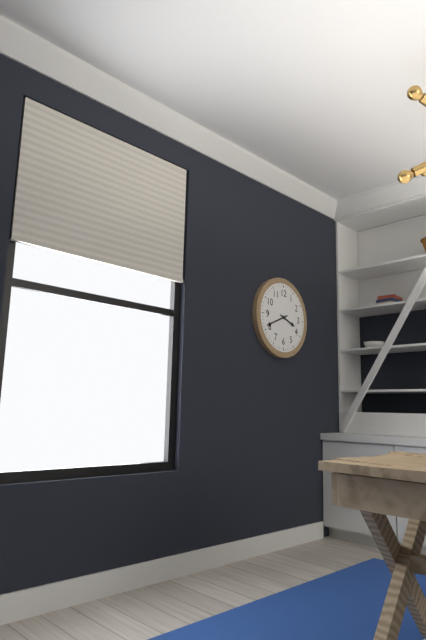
3,41
